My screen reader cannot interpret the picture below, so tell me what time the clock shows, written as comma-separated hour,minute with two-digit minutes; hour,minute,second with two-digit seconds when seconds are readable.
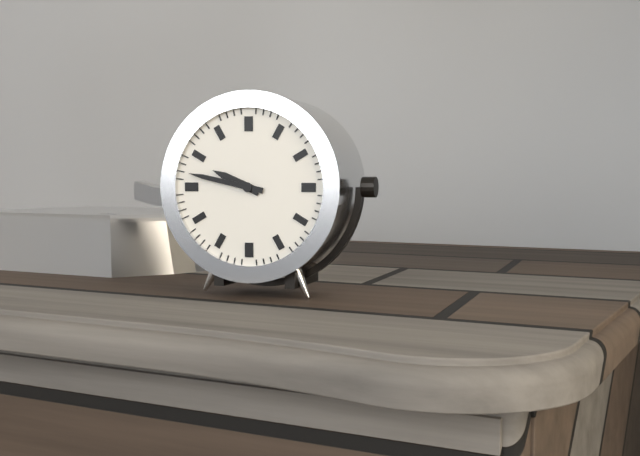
9,47
